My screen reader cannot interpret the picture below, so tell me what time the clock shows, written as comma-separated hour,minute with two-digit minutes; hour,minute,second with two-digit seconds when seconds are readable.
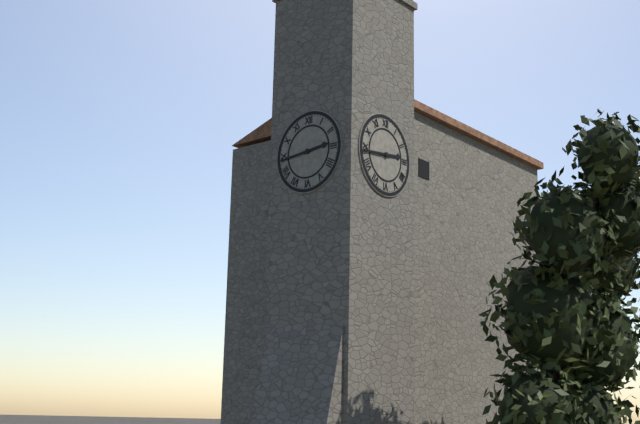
2,44
